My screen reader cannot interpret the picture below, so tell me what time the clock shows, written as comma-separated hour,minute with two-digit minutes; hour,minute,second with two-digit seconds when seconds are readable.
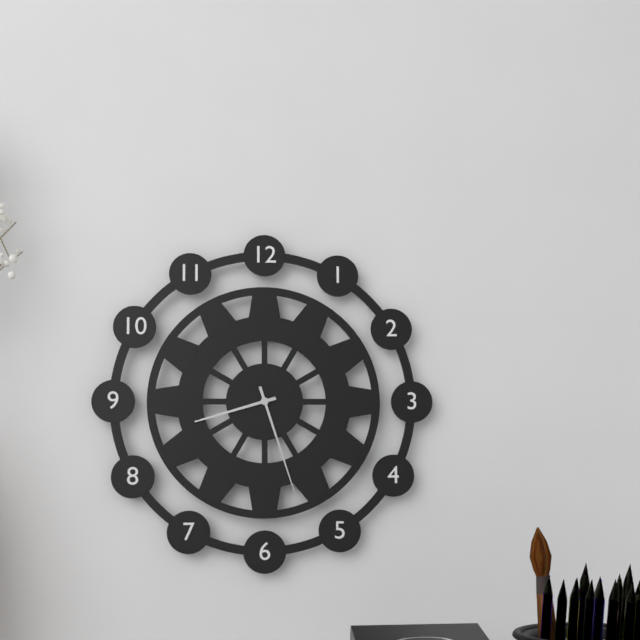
8,27
